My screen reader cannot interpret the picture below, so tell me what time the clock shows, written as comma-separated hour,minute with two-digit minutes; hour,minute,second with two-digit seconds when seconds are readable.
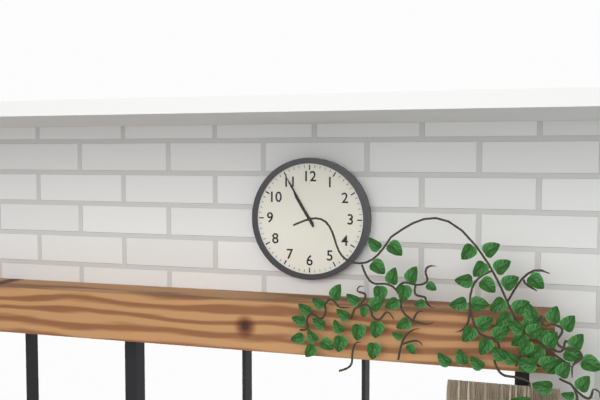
10,55
